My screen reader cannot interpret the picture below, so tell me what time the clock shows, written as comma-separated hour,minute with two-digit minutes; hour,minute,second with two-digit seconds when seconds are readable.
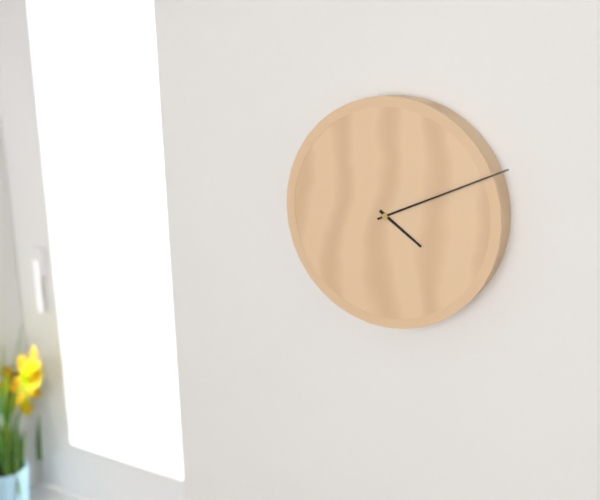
4,11
